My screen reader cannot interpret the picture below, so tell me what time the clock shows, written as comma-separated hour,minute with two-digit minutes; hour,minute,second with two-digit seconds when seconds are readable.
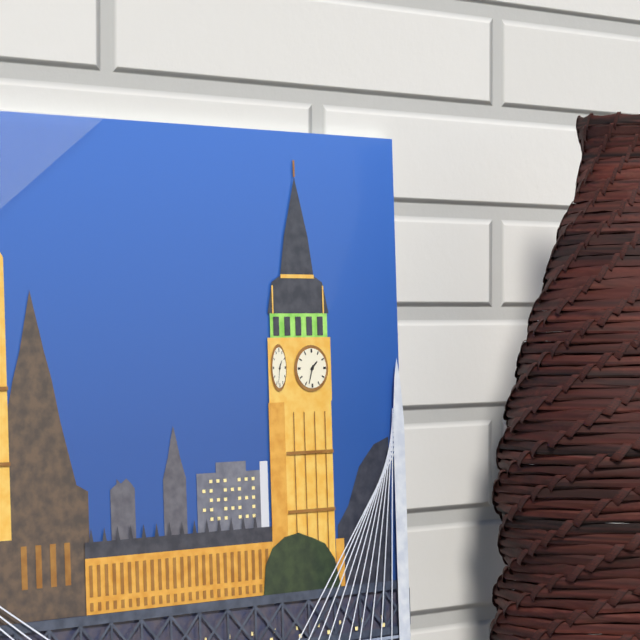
1,33
